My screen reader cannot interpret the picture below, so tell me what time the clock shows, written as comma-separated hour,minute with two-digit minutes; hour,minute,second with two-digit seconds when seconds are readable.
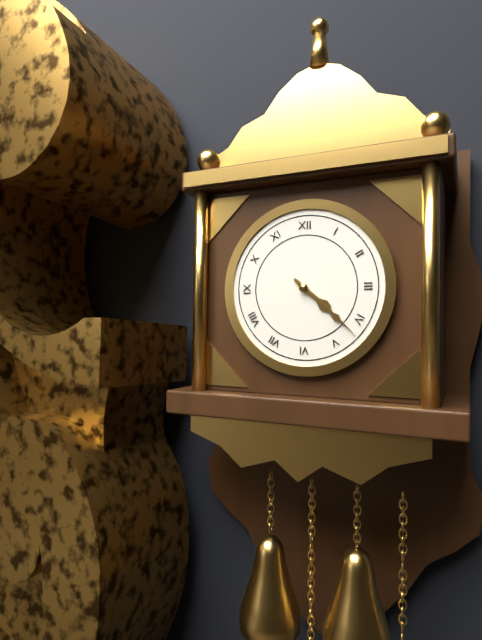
4,22
